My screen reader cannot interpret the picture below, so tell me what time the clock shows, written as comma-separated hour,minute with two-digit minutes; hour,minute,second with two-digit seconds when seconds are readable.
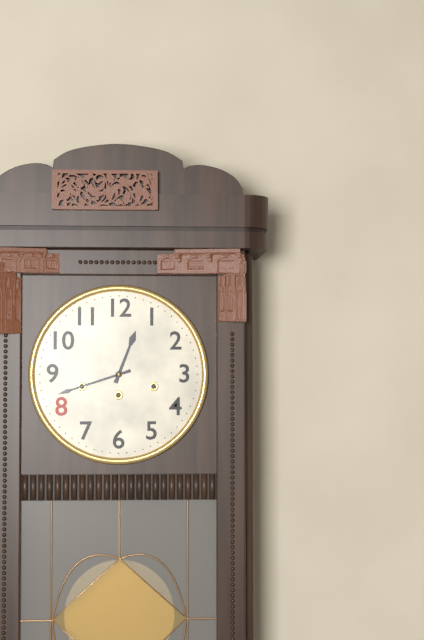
12,42
